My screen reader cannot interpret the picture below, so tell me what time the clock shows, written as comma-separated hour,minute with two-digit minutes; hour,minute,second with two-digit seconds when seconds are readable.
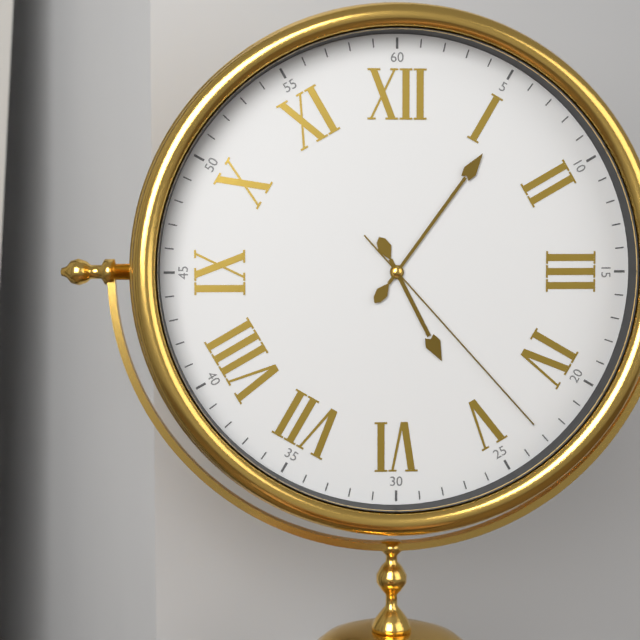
5,06,23
